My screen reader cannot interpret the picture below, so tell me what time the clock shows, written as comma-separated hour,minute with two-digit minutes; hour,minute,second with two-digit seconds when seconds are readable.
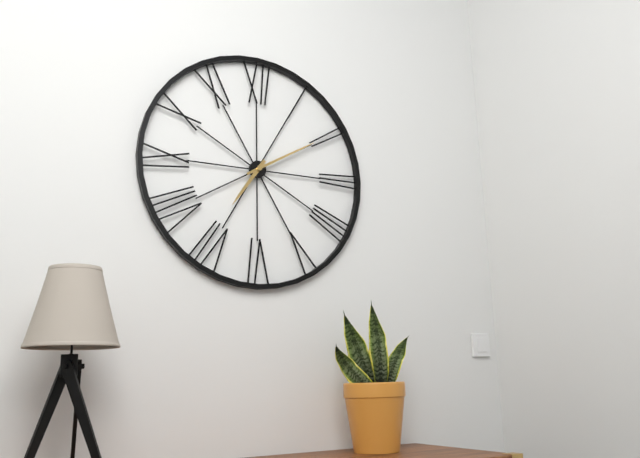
7,10
